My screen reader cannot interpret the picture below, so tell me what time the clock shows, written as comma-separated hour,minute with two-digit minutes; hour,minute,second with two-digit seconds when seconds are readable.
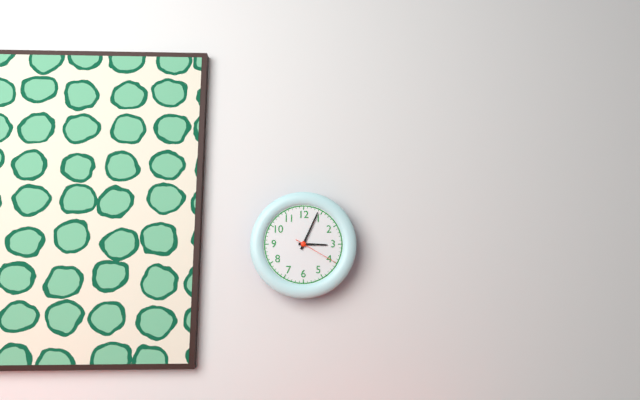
3,04
